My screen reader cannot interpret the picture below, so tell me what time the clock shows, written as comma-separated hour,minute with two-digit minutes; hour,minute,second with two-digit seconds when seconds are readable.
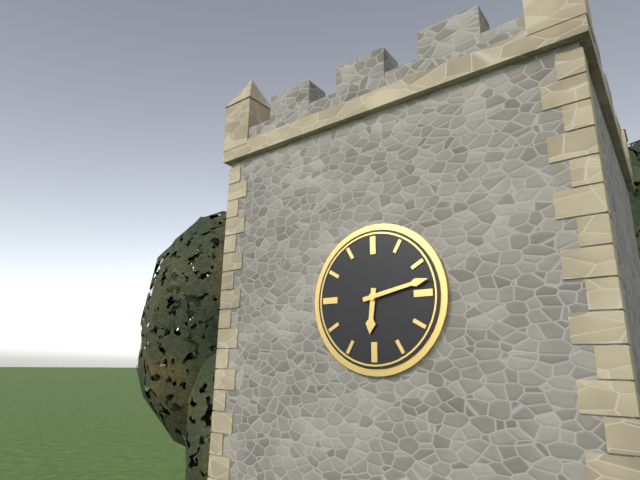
6,13
